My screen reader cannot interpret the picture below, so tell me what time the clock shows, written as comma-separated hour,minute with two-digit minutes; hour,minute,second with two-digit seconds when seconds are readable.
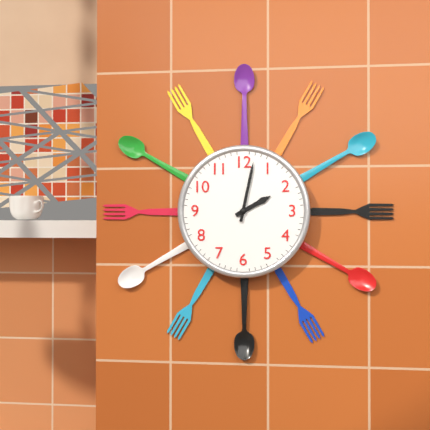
2,02
